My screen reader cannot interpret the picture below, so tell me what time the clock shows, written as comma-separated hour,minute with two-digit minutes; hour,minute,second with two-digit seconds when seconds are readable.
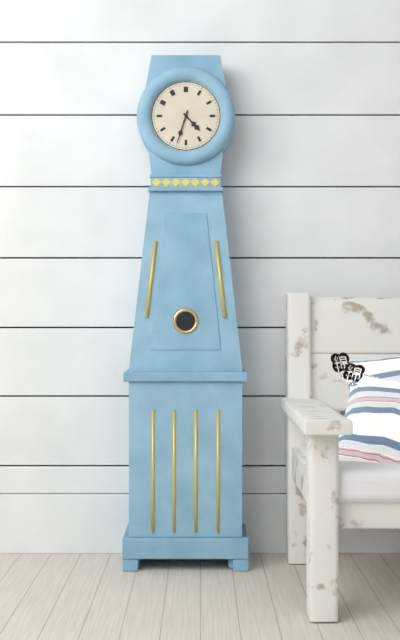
4,33
